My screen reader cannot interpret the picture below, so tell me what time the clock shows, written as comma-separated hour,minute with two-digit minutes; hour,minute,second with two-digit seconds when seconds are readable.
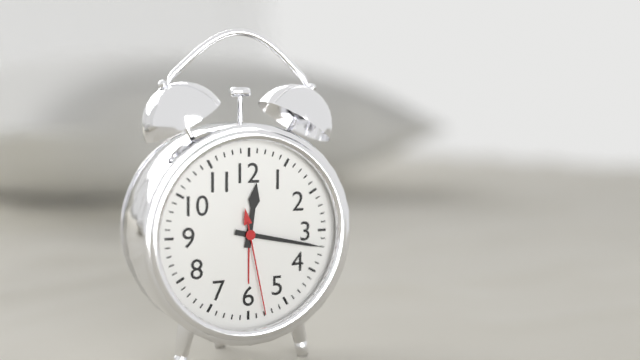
12,17,28
